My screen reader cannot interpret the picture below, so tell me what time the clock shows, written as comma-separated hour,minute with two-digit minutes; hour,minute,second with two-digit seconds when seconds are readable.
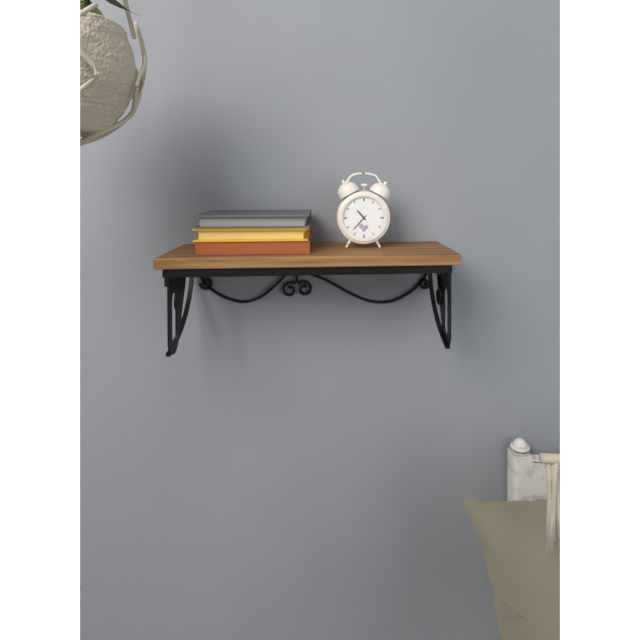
10,37
